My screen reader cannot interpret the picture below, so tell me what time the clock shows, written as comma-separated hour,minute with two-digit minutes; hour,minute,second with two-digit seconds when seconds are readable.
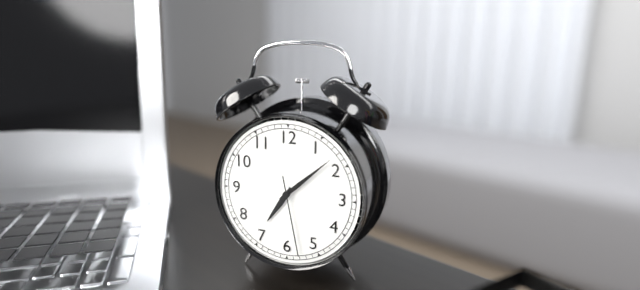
7,08,28
